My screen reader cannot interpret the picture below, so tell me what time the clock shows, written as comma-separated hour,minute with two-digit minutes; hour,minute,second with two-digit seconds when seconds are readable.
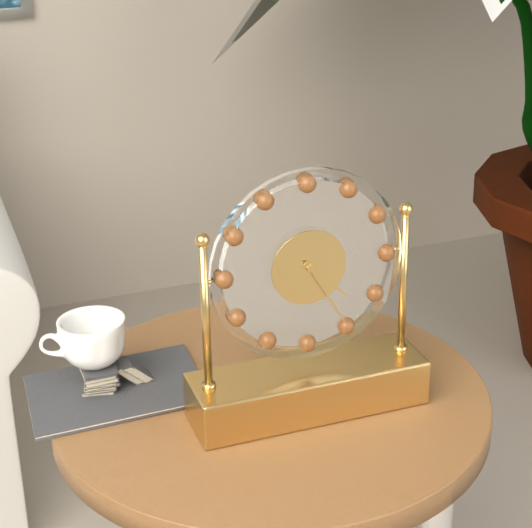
4,25
